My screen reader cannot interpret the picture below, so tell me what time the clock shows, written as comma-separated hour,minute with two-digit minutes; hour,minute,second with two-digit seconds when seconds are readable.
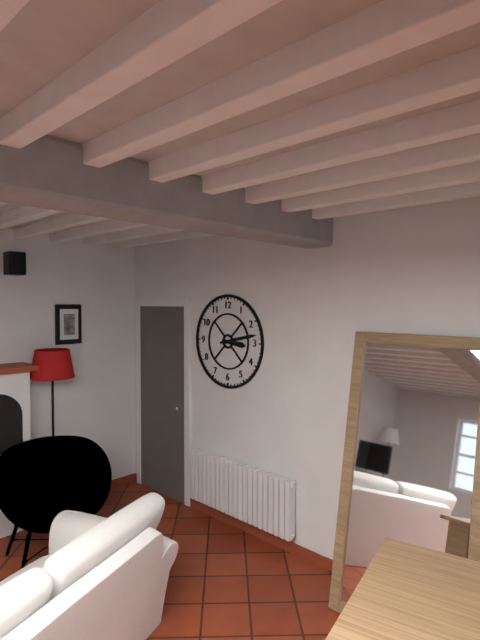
3,13
